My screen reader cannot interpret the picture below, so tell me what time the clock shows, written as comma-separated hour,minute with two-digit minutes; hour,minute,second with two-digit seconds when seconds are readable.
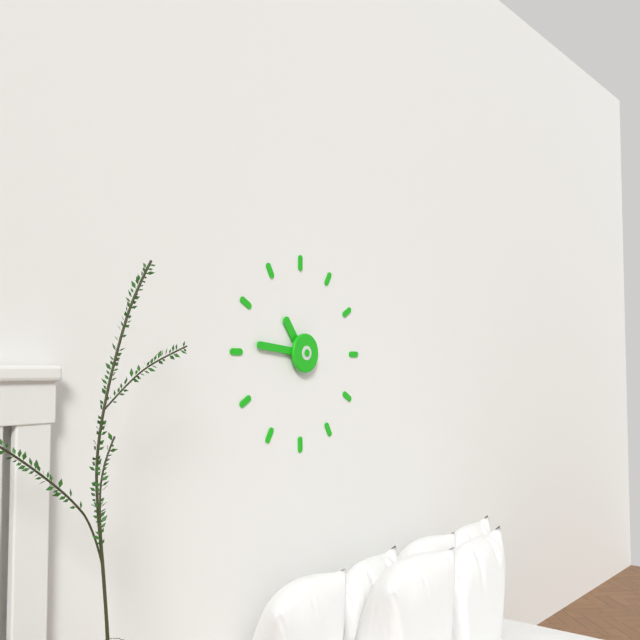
10,46
